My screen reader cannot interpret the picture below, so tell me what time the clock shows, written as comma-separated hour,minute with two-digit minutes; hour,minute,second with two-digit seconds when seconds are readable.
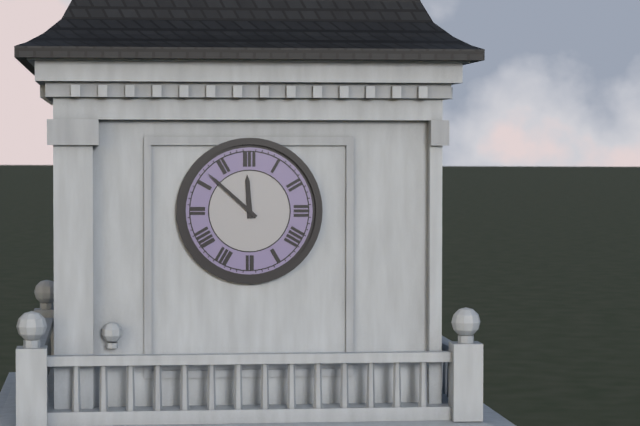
11,52
